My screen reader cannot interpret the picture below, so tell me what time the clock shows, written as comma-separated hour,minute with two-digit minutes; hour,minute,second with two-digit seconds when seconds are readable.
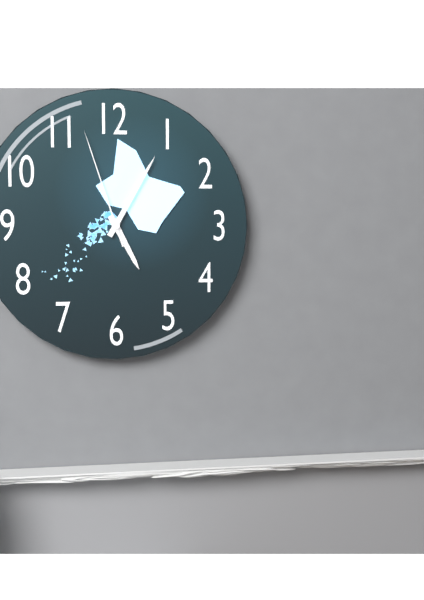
5,05,57
